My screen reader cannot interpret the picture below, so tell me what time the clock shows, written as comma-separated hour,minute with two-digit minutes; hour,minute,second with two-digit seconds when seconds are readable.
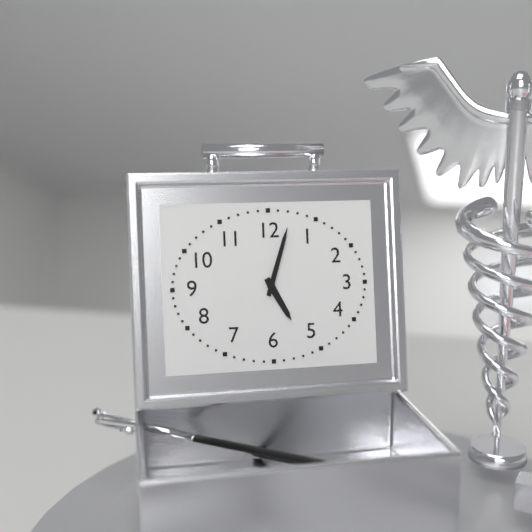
5,03
